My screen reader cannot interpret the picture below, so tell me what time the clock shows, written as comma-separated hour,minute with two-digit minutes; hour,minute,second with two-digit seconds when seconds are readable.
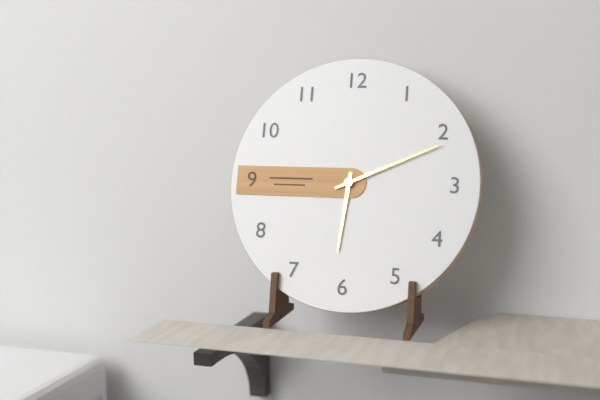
6,11
